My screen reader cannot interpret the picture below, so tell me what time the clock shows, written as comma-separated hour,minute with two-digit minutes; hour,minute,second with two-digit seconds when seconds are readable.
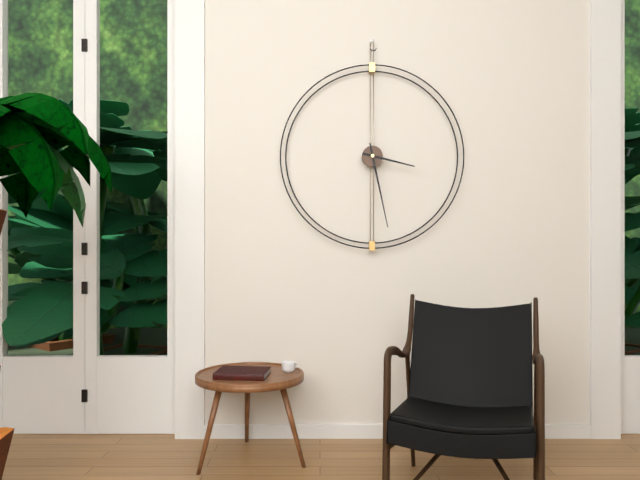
3,28
